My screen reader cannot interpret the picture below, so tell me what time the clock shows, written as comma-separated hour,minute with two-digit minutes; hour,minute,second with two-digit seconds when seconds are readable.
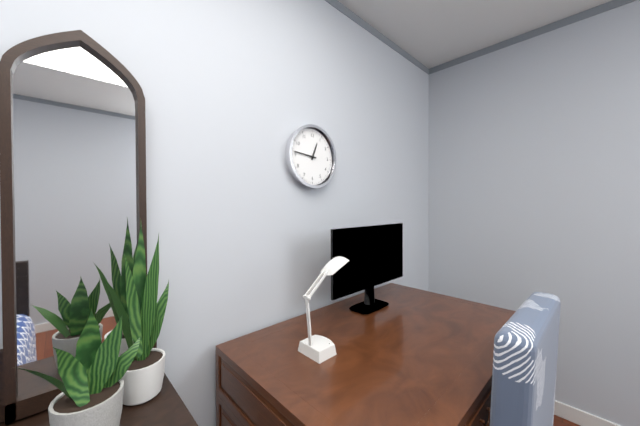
12,46
